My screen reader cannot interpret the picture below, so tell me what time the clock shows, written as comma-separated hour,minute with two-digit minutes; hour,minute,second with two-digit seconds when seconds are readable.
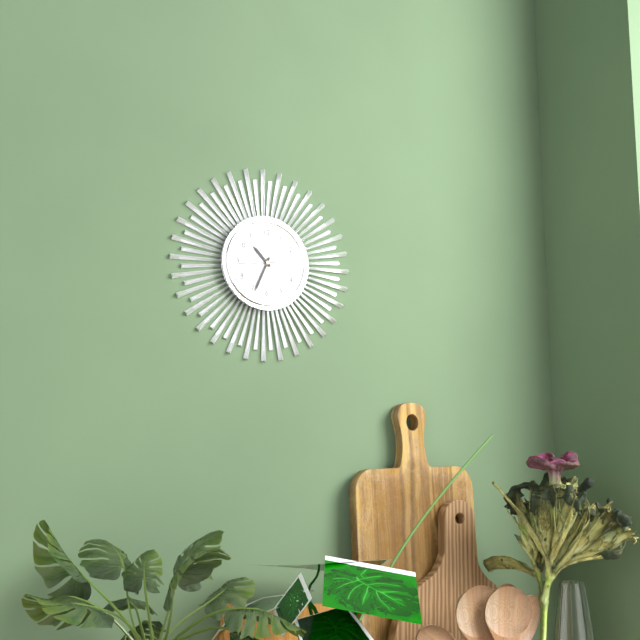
10,34
